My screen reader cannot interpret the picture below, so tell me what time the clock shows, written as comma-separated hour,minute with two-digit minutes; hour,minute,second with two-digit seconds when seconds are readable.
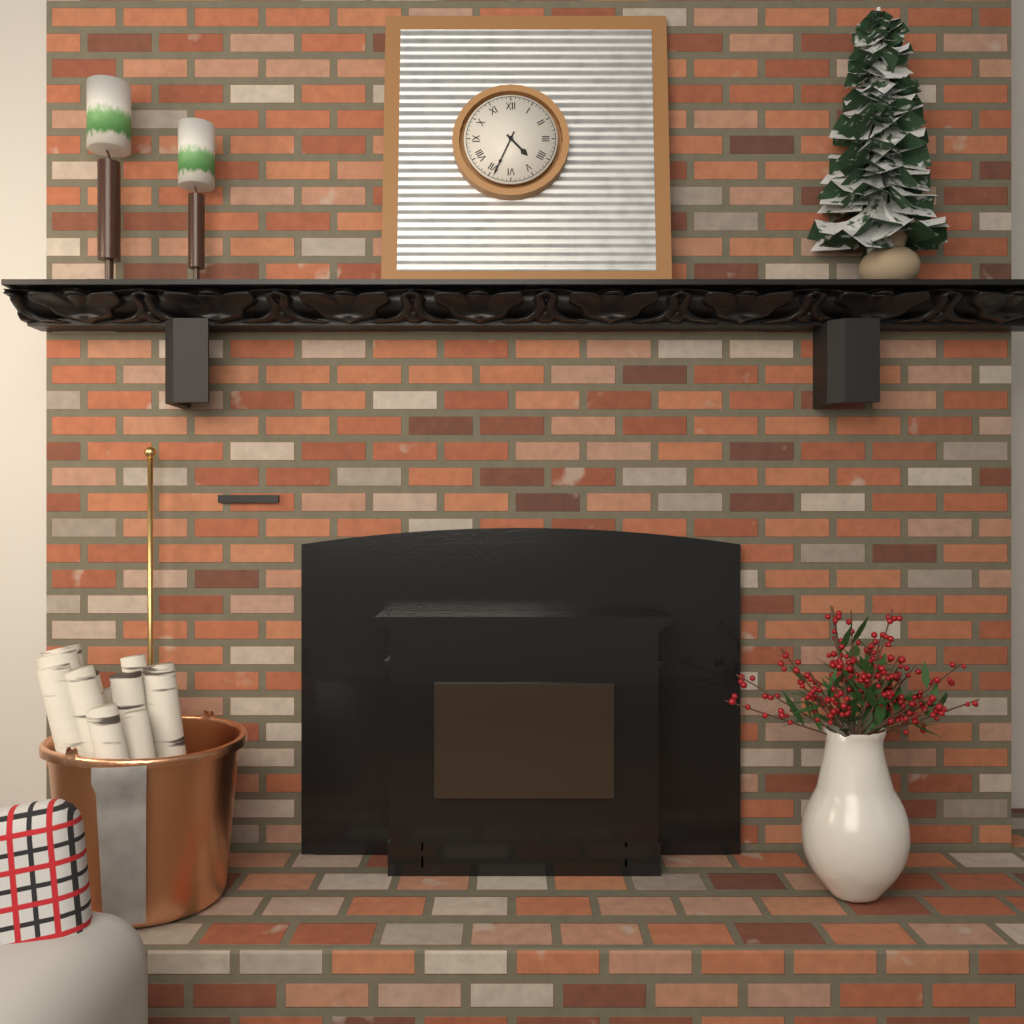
4,34
